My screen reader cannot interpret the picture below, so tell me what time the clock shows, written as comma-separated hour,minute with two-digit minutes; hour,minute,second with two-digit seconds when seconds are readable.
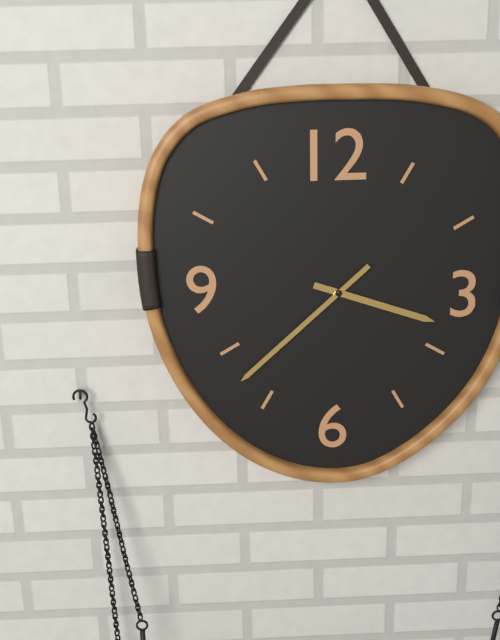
3,38
